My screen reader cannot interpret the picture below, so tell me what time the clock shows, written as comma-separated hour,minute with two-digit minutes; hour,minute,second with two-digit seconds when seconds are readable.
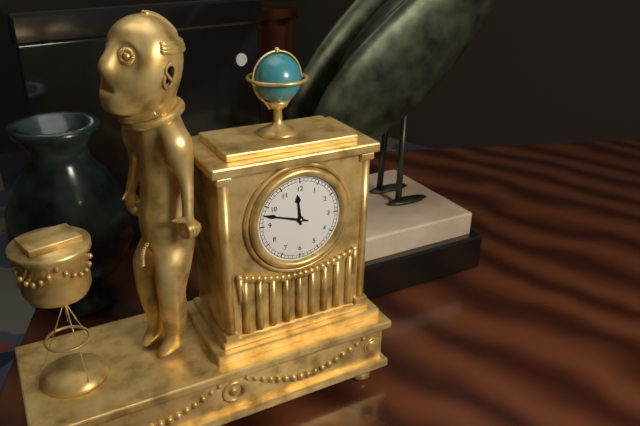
11,48
